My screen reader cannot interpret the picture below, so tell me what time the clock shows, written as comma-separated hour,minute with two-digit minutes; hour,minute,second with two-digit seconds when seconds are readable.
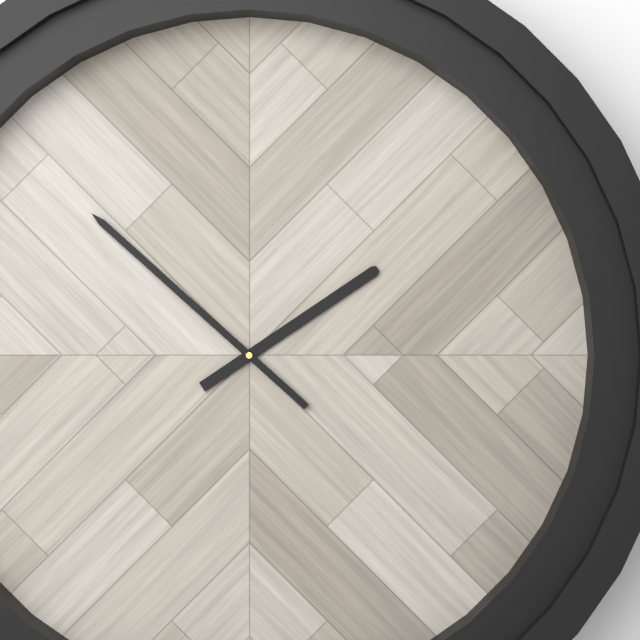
1,52
